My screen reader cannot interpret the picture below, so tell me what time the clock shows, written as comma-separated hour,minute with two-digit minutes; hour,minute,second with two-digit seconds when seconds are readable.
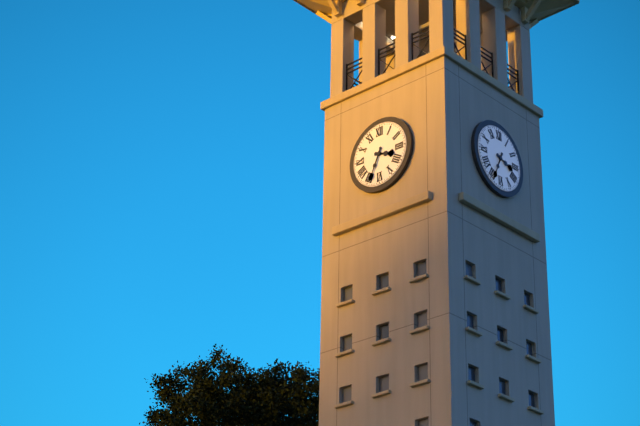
3,34
